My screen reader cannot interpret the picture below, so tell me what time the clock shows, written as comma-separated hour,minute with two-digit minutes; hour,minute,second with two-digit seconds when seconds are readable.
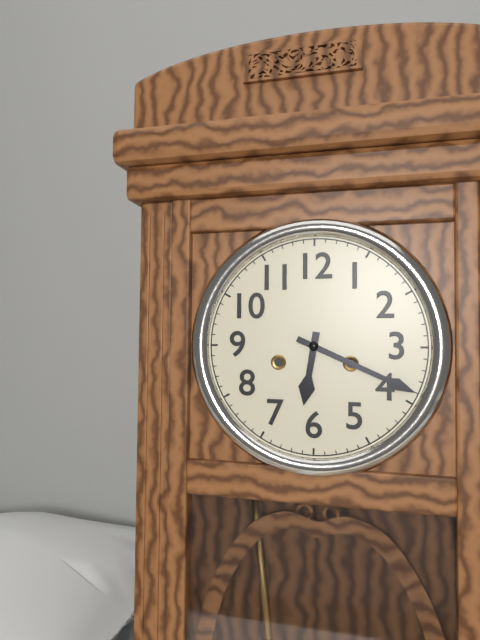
6,19
